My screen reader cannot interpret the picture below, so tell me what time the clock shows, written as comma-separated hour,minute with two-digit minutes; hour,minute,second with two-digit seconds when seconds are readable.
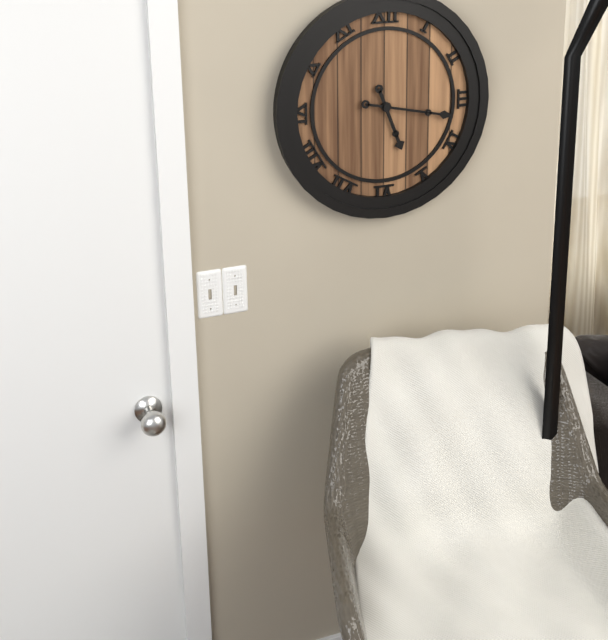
5,17
